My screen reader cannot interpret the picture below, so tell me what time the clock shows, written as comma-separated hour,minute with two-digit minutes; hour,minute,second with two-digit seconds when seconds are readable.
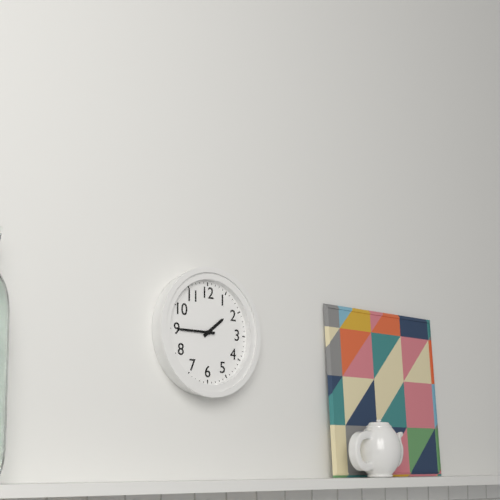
1,45
